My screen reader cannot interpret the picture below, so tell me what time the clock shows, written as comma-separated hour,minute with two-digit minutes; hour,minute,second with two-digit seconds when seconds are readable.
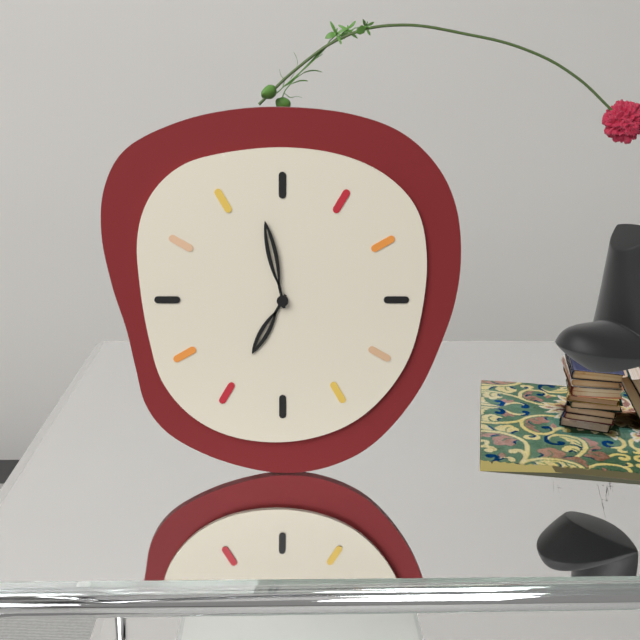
6,58
